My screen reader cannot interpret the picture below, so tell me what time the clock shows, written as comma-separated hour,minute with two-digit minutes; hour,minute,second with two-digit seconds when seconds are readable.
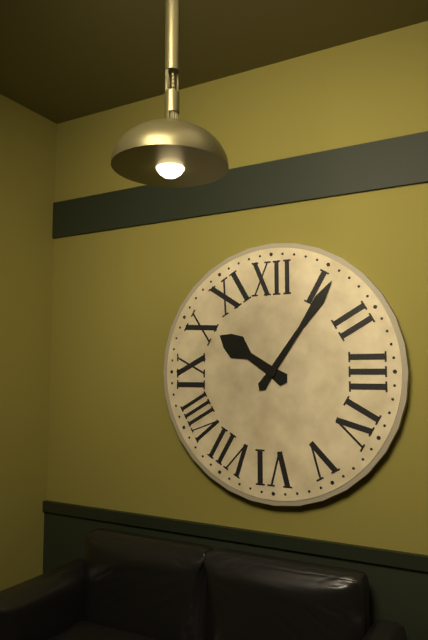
10,06
